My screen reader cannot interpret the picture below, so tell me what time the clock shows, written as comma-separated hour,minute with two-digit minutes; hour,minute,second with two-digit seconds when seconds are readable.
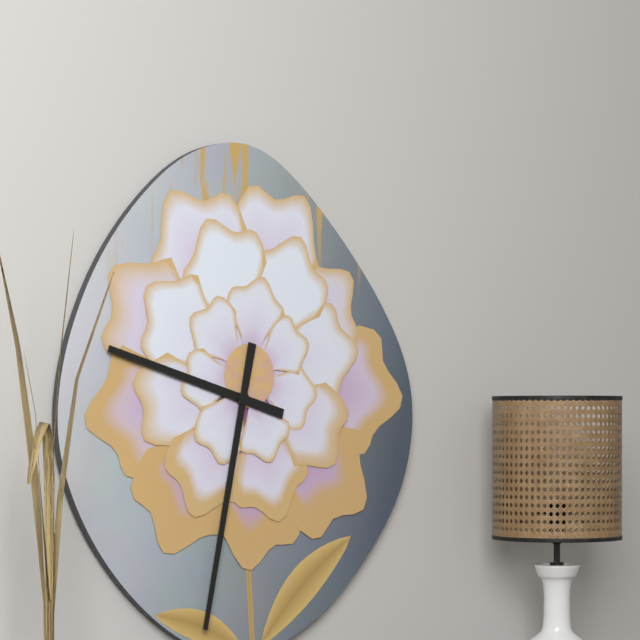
9,32
